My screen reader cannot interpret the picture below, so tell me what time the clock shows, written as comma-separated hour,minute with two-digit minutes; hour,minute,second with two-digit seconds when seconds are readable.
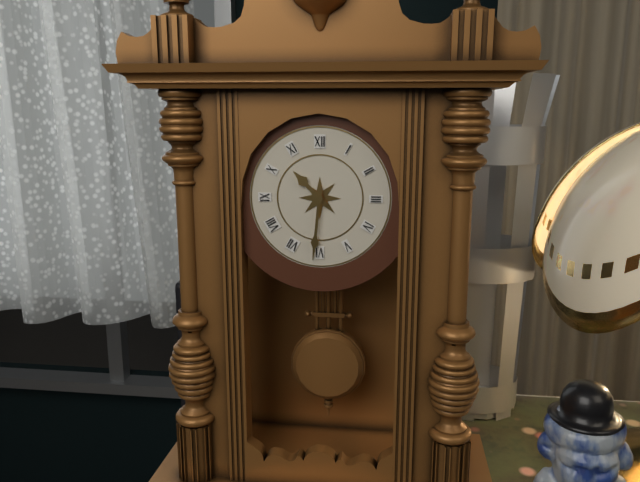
10,31
